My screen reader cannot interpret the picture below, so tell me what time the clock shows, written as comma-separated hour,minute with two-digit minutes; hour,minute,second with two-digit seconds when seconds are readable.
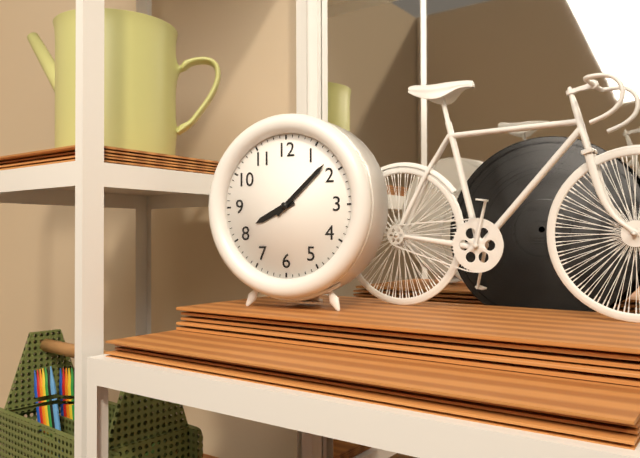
8,08
